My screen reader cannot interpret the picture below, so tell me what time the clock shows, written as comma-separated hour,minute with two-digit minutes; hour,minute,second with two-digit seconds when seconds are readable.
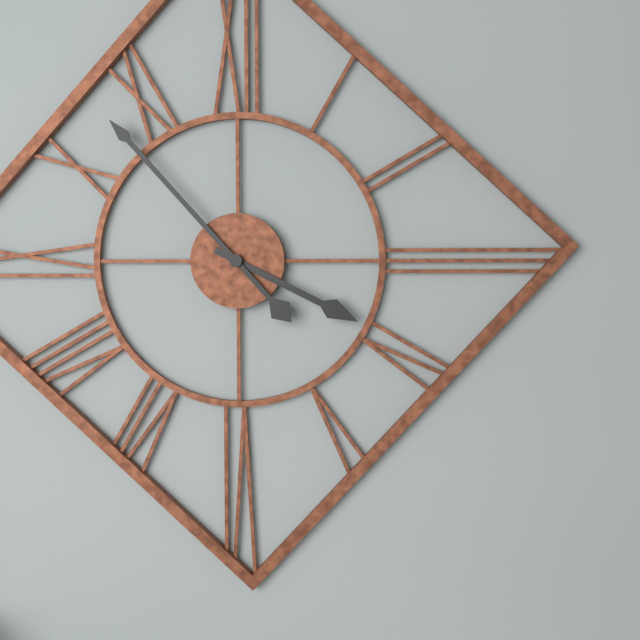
3,53
